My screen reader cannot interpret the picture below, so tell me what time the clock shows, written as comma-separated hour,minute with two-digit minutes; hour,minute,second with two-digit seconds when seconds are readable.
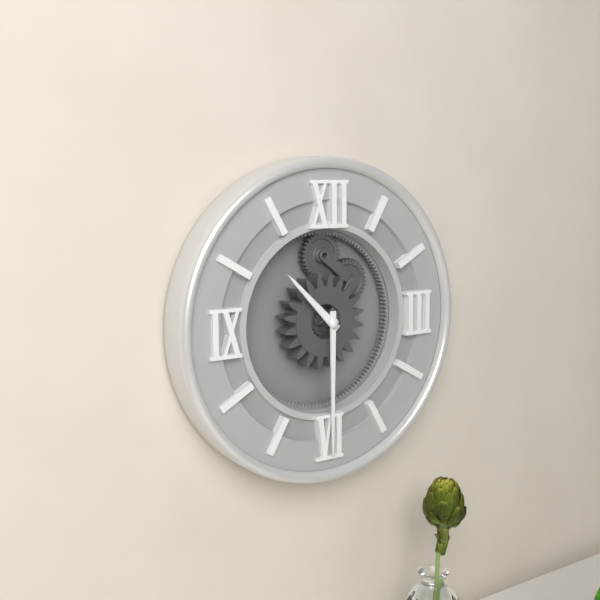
10,30
